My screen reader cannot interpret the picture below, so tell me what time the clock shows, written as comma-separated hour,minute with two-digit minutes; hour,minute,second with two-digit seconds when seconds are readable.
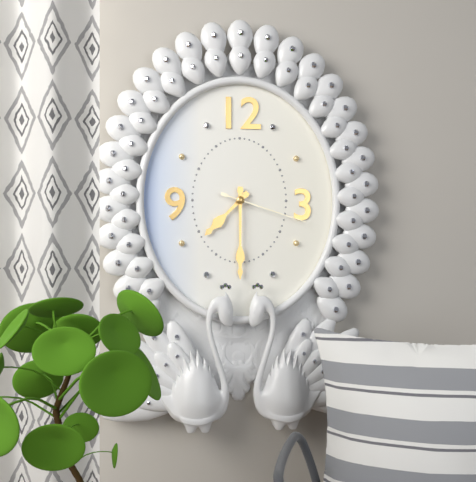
7,30,18
